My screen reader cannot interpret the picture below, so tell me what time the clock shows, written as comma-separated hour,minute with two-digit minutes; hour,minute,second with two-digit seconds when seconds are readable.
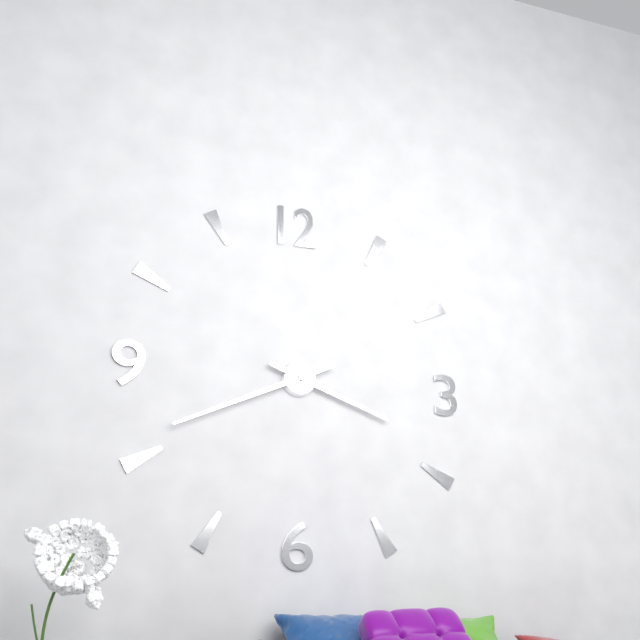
3,41
